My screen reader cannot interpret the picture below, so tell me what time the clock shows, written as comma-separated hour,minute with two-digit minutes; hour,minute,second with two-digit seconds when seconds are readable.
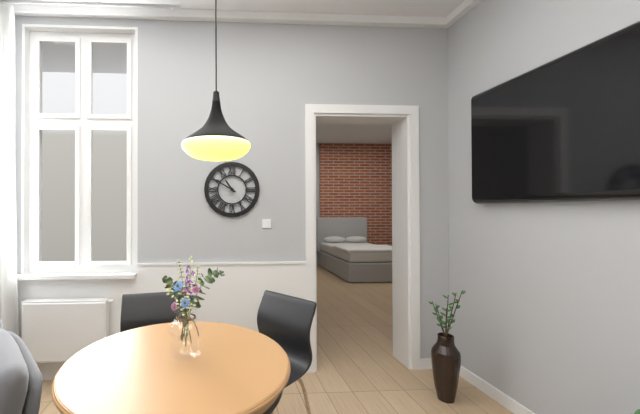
10,50
